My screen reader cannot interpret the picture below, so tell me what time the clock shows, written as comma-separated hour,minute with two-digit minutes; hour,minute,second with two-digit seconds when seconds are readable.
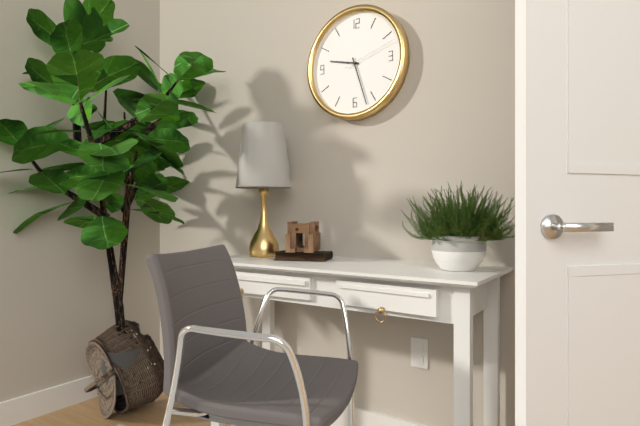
9,27,12
